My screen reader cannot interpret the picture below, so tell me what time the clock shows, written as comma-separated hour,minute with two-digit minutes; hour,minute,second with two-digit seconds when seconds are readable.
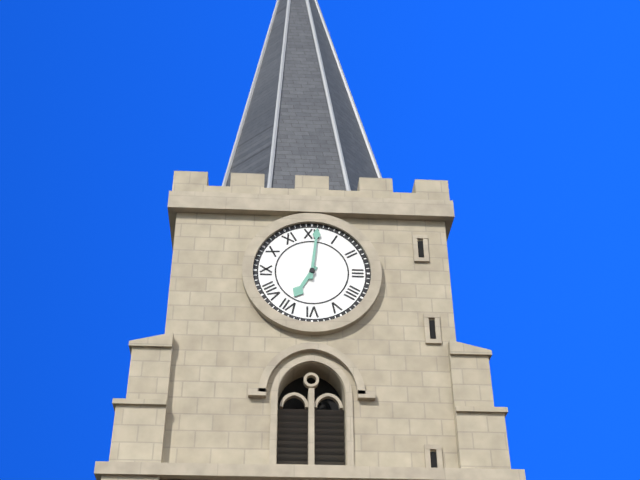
7,01
